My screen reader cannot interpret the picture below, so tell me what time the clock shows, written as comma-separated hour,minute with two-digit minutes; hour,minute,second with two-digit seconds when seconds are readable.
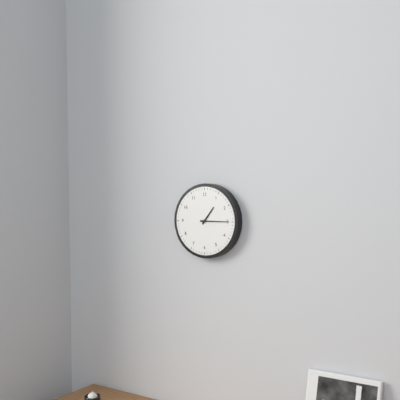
1,15
